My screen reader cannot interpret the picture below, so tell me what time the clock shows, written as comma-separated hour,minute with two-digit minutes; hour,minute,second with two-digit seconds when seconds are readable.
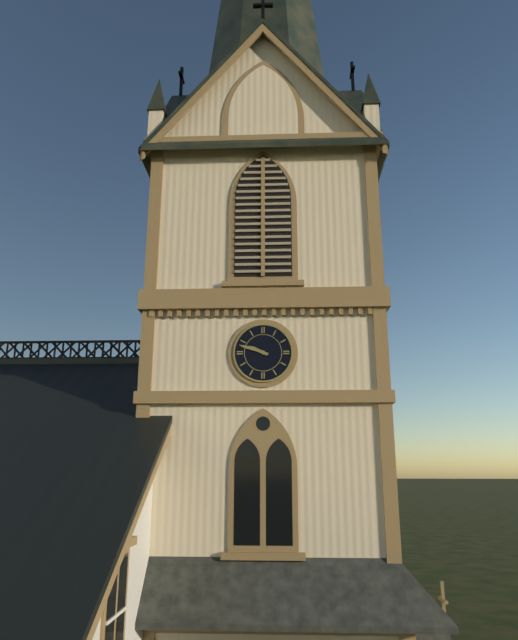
9,48
